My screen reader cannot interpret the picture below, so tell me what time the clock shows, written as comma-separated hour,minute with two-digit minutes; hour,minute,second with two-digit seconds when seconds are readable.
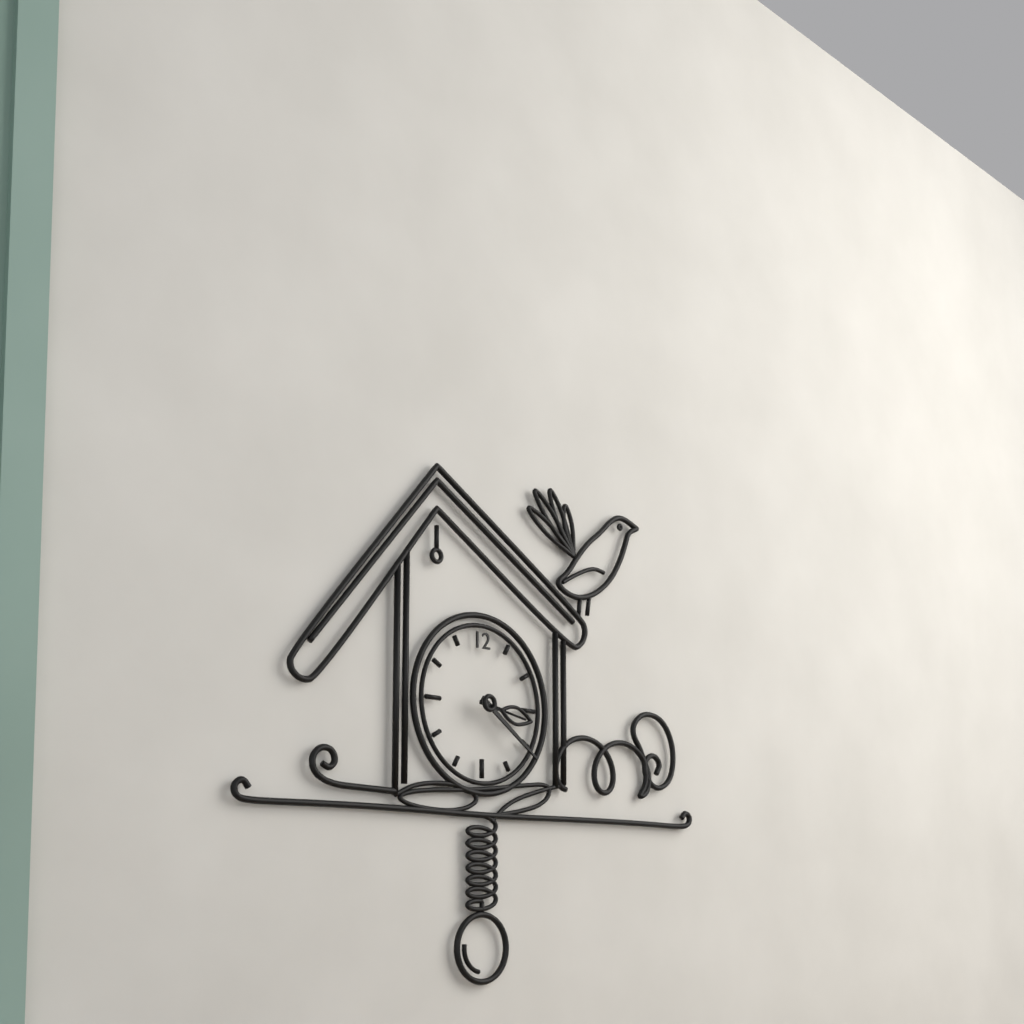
3,21
